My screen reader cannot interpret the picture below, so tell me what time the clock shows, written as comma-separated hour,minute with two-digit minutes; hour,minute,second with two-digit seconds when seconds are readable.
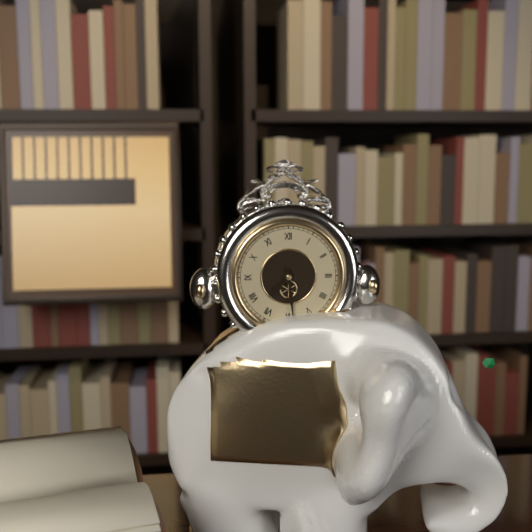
7,29
